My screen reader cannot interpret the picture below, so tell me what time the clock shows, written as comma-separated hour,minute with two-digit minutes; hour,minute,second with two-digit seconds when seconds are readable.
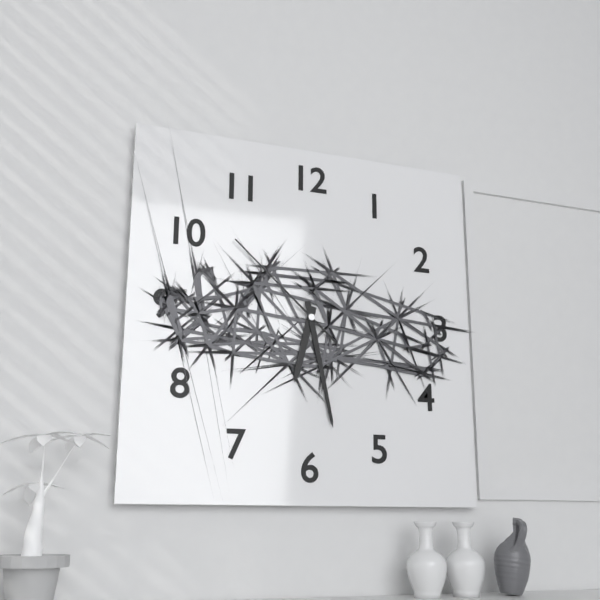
6,28,52
